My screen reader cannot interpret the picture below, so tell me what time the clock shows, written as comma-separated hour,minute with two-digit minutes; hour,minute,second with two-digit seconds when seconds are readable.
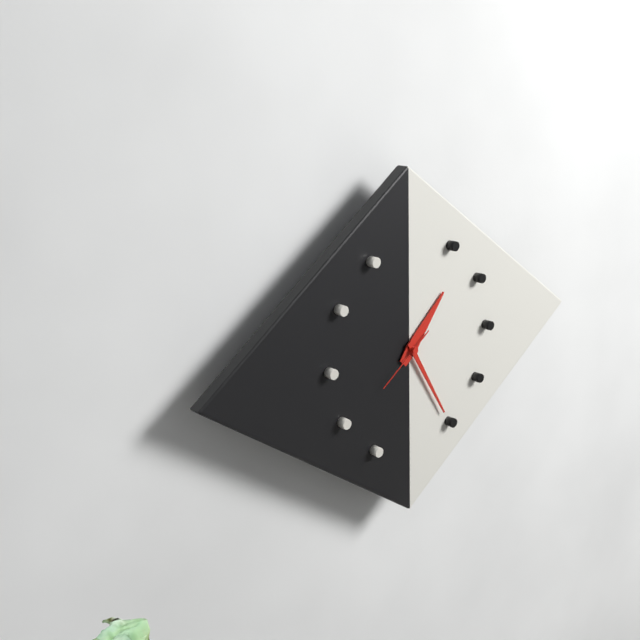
1,25,39
